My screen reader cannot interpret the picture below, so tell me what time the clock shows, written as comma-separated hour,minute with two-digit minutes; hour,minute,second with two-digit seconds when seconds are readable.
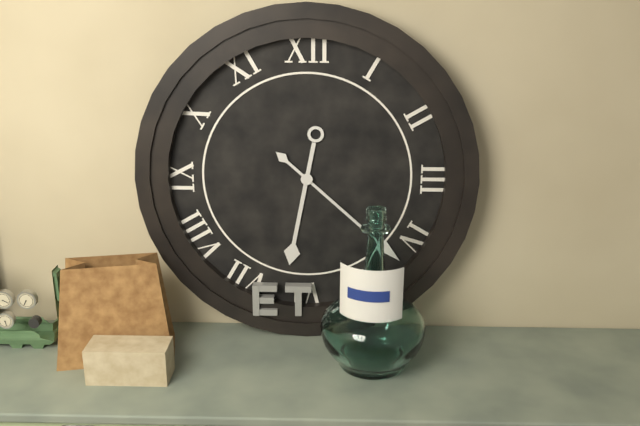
6,22
